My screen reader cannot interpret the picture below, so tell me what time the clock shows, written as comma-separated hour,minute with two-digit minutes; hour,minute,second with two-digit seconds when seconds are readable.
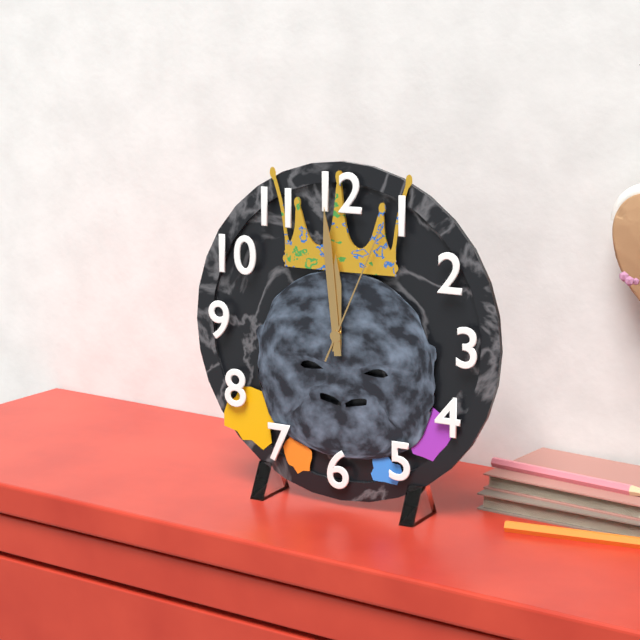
11,59,04
